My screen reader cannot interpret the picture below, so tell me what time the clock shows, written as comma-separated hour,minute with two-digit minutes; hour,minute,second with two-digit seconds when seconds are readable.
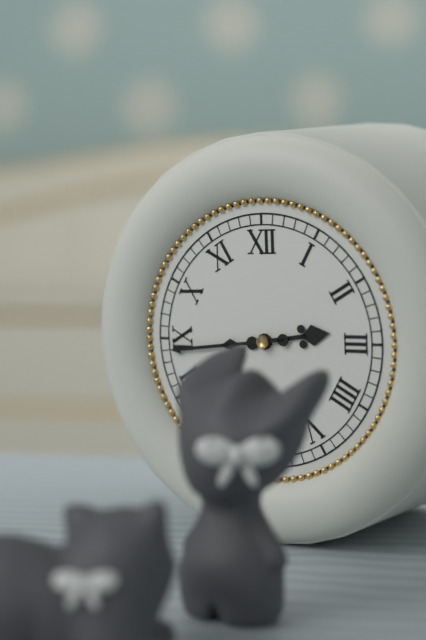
2,44
